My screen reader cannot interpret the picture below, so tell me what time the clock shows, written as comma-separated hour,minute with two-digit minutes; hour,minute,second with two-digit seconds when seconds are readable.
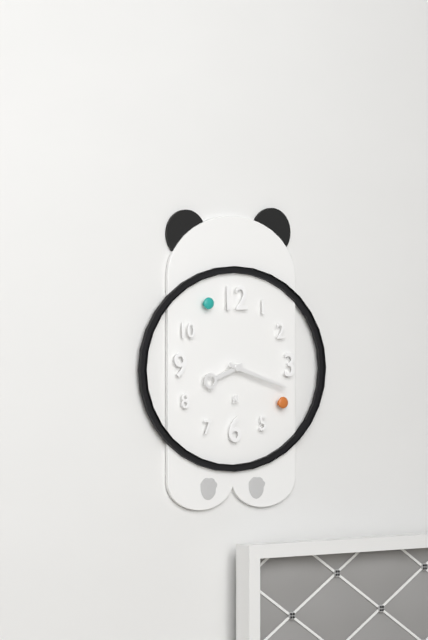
8,18
